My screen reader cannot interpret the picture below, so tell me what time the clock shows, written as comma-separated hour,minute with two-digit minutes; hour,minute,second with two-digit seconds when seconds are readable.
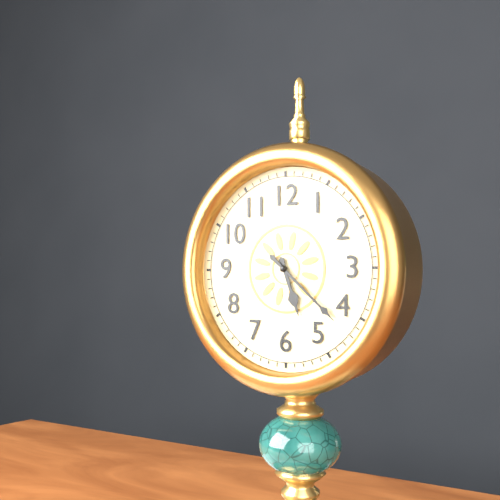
5,22
